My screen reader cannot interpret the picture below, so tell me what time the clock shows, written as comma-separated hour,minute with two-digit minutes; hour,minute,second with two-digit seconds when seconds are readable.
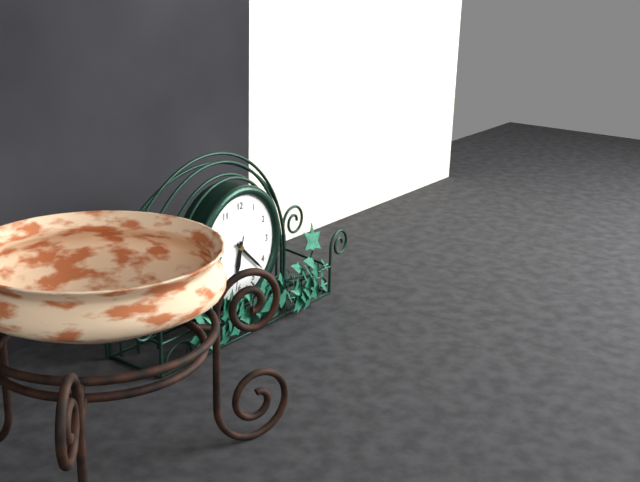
6,22,32
